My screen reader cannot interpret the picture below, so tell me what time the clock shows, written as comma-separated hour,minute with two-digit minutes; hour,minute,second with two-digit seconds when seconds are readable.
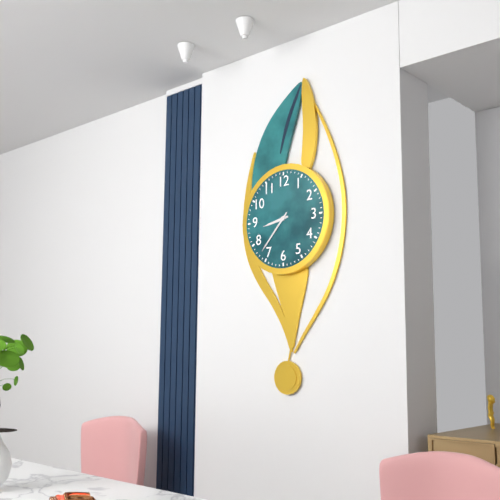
8,37
